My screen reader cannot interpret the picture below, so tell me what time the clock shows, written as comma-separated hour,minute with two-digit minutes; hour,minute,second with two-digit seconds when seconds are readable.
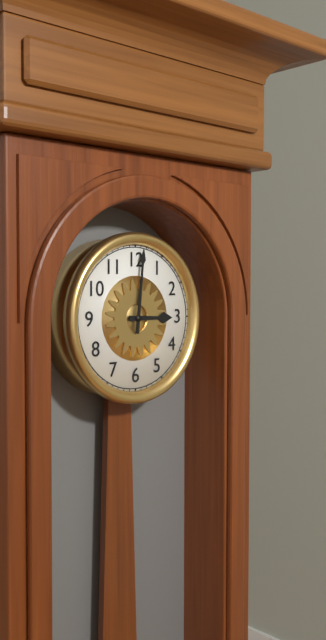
3,01
